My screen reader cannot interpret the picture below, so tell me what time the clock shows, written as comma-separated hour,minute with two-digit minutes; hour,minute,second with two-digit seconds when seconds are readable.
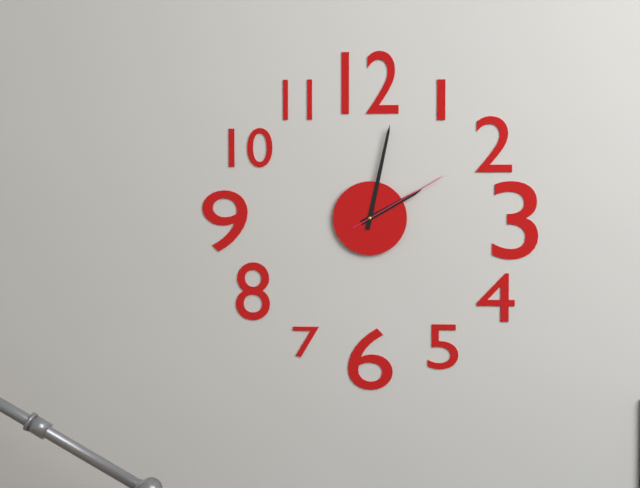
2,02,10
